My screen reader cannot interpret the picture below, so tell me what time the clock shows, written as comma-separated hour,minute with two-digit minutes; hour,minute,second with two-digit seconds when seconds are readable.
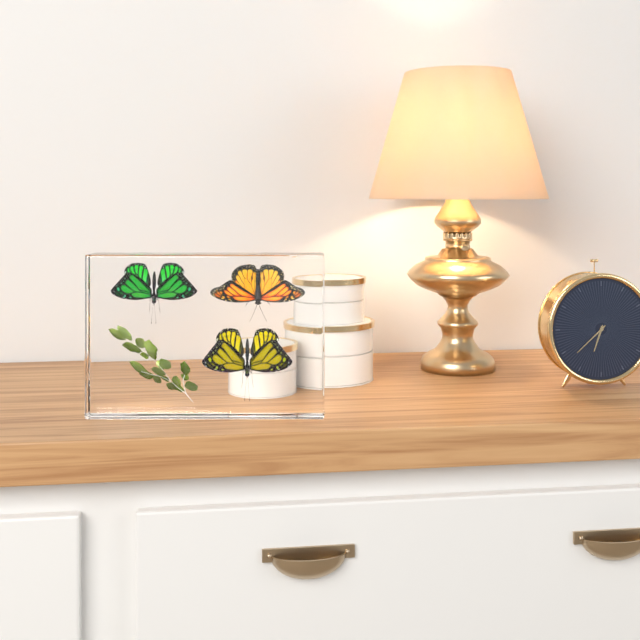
6,38
